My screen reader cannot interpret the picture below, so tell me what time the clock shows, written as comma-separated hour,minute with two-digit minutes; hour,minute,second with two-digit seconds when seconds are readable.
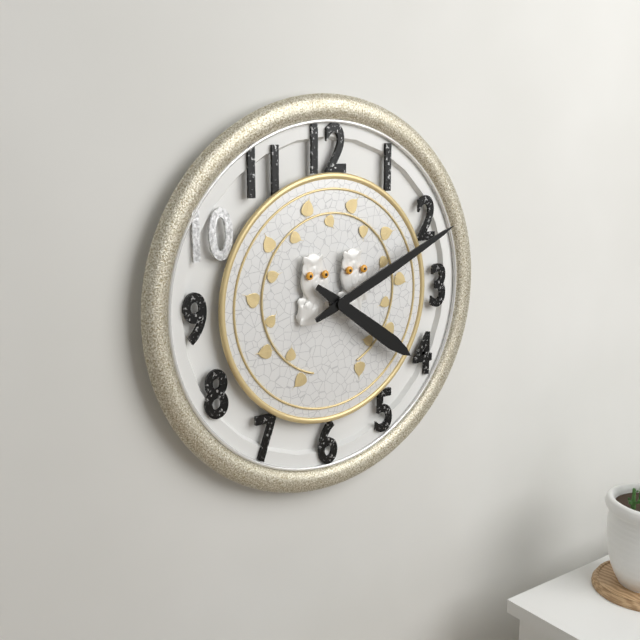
4,11
